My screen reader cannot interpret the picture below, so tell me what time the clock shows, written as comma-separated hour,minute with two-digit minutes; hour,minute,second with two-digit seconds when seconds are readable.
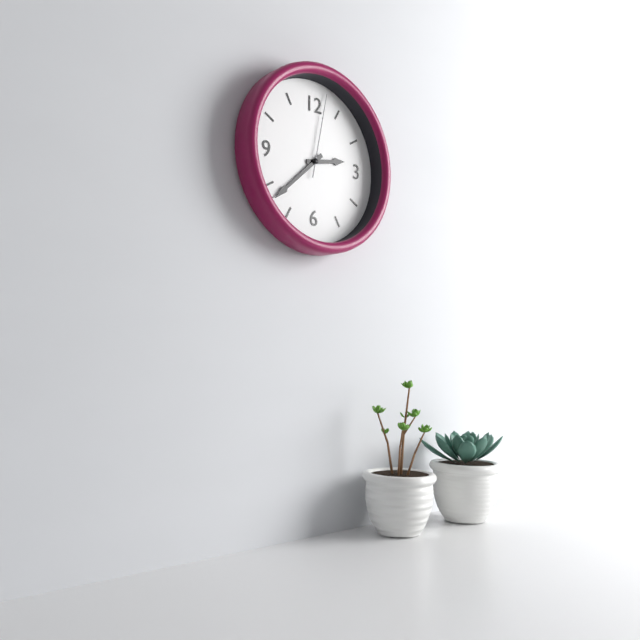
2,38,02
